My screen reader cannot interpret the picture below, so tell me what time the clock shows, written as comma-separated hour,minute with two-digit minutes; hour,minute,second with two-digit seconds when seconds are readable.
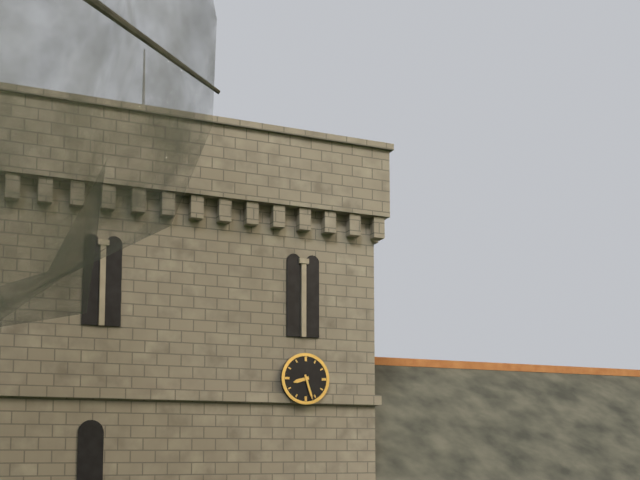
8,27
